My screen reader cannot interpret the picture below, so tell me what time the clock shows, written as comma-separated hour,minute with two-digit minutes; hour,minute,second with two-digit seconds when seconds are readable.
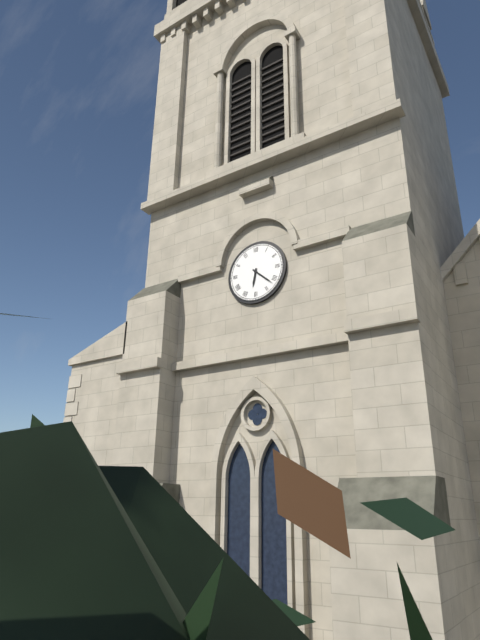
6,22
